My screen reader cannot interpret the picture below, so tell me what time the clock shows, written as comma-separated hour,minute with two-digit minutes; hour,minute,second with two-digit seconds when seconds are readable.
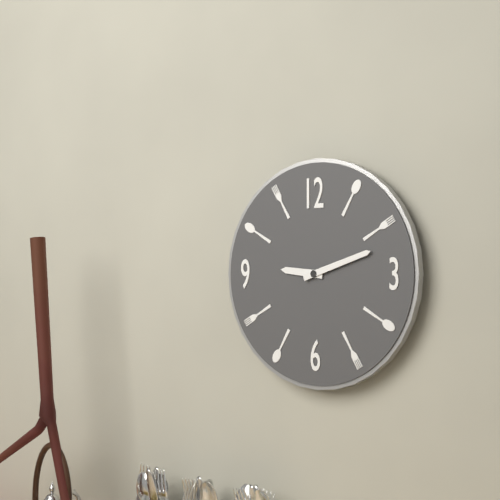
9,12
